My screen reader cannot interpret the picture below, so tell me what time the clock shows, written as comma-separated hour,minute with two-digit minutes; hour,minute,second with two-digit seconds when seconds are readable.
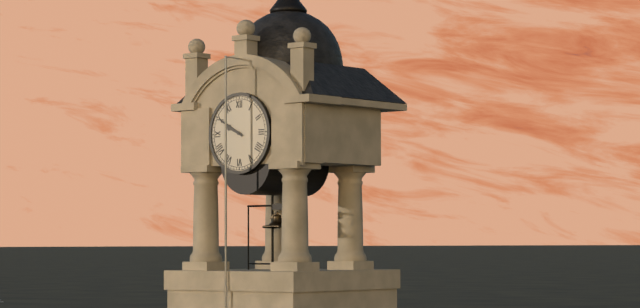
9,50
